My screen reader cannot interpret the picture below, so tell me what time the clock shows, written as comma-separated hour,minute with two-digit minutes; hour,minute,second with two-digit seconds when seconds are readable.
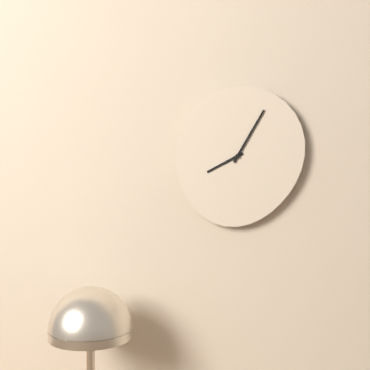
8,05
